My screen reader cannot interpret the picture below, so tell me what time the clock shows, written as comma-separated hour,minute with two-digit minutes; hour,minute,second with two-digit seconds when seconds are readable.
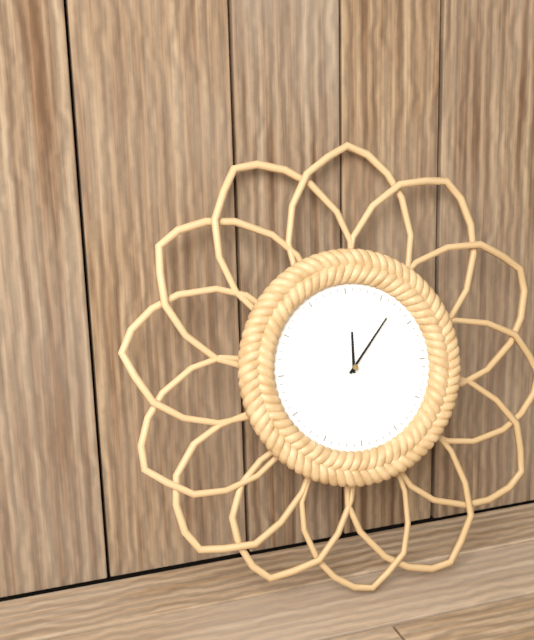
12,07
